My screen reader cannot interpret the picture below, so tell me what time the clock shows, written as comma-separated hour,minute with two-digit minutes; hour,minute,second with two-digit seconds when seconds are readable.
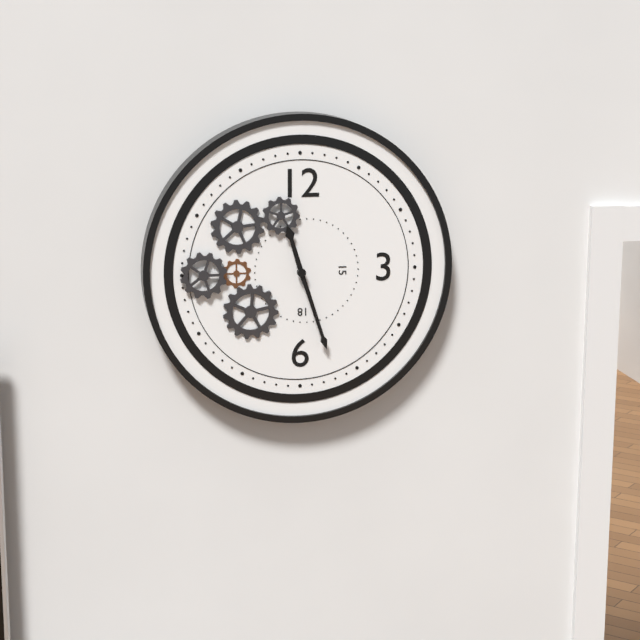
11,27
